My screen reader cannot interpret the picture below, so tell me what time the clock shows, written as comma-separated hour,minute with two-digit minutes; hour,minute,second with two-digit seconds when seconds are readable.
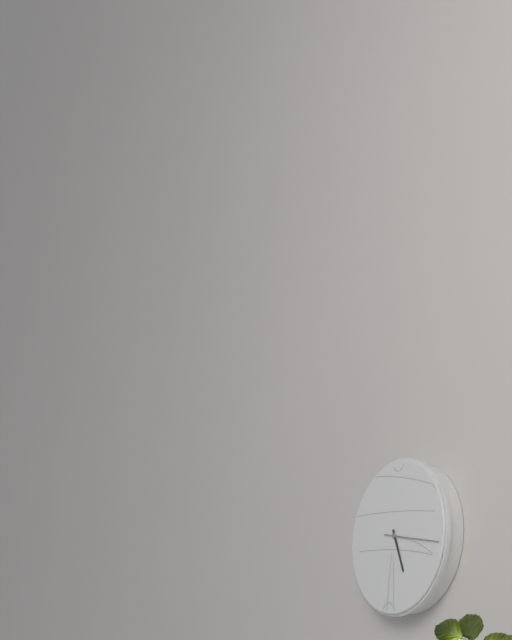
5,17
